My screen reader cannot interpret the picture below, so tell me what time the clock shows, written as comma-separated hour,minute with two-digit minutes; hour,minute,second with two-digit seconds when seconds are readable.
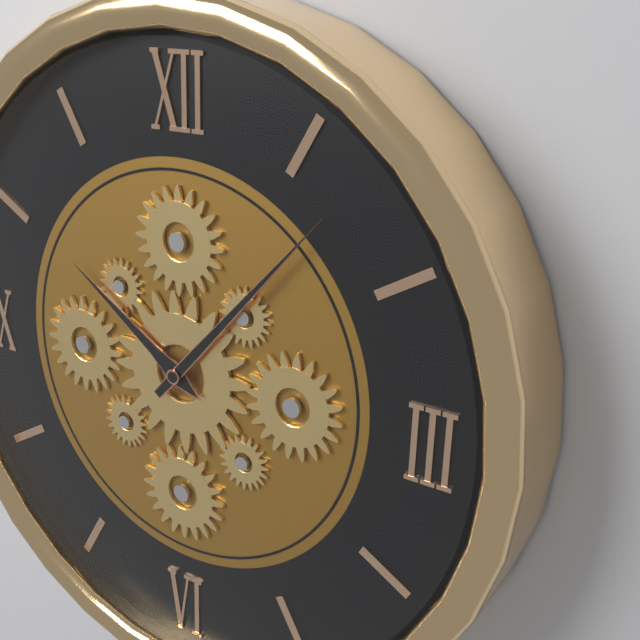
10,07
